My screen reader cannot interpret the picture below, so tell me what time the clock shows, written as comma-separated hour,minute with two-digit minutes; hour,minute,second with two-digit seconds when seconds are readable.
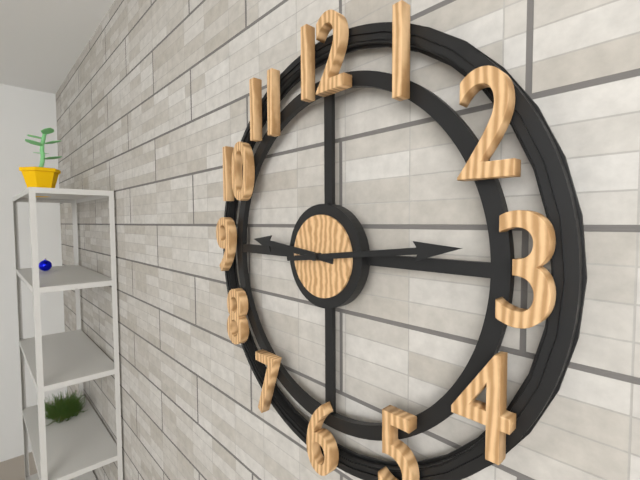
9,14
